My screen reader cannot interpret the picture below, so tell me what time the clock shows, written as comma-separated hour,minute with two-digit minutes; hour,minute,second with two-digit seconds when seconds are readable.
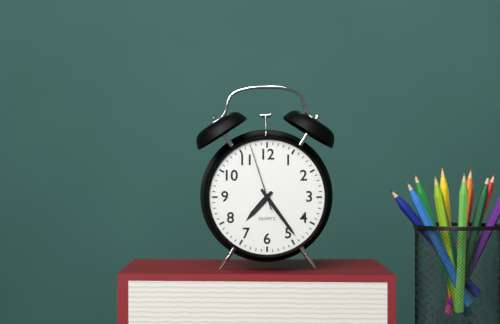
7,24,57
